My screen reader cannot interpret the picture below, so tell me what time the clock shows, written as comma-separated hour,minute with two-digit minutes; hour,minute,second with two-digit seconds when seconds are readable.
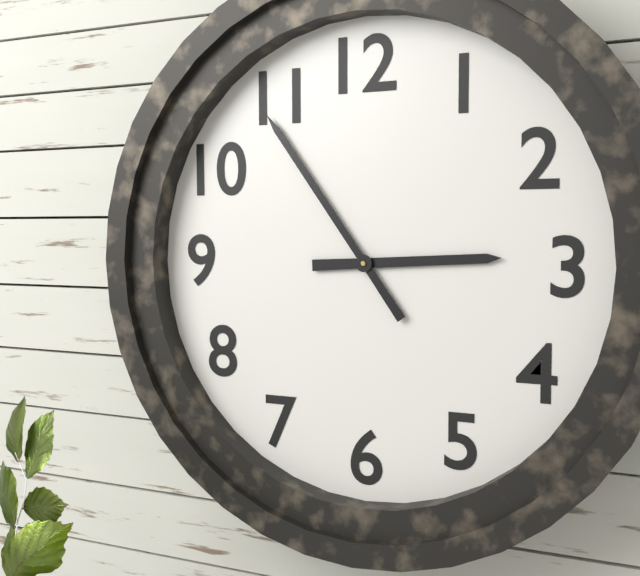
2,54
